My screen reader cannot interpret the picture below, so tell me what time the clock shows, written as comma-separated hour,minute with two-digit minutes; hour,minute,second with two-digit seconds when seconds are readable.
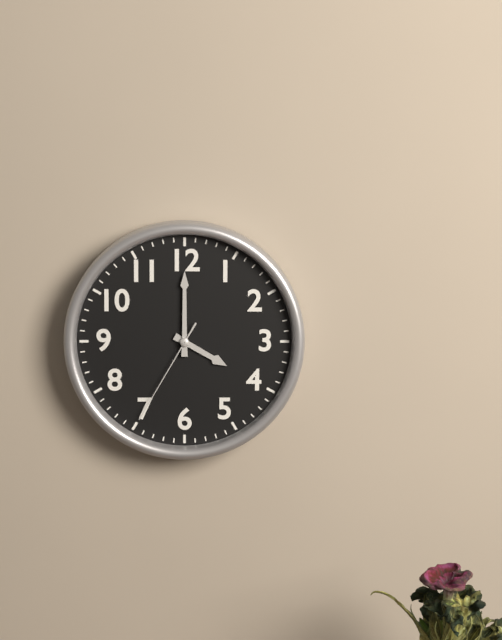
4,00,35
